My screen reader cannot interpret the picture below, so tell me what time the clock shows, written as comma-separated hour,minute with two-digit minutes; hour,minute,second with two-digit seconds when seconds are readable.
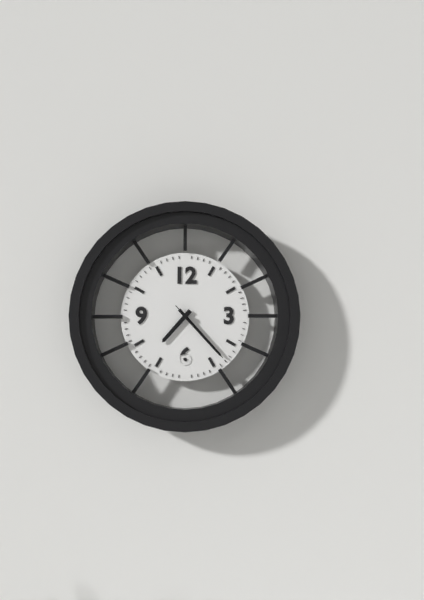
7,23,23
